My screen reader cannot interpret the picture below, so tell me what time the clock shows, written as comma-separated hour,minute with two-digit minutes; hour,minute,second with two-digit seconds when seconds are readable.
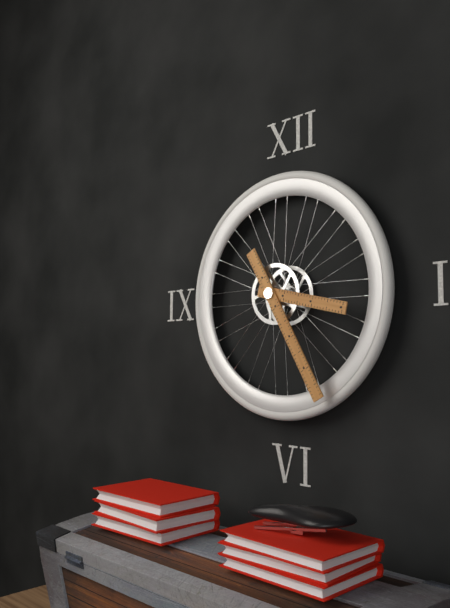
3,25
